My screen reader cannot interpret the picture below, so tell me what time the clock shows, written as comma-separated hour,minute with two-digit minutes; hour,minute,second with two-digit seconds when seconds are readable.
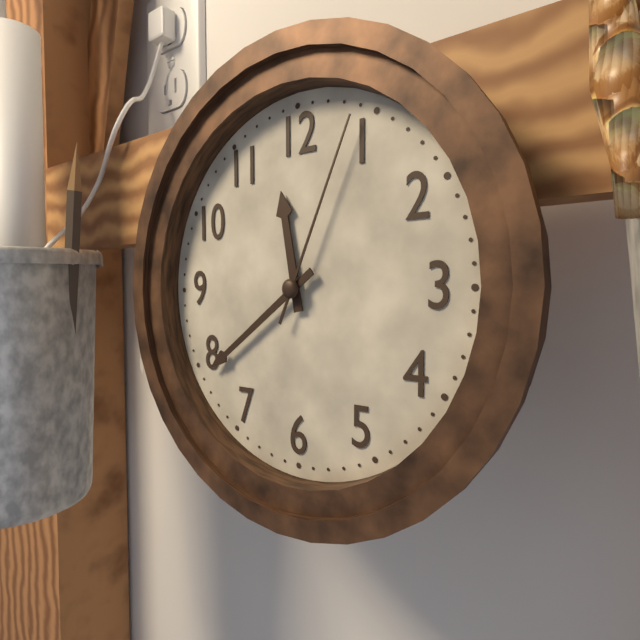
11,39,04
